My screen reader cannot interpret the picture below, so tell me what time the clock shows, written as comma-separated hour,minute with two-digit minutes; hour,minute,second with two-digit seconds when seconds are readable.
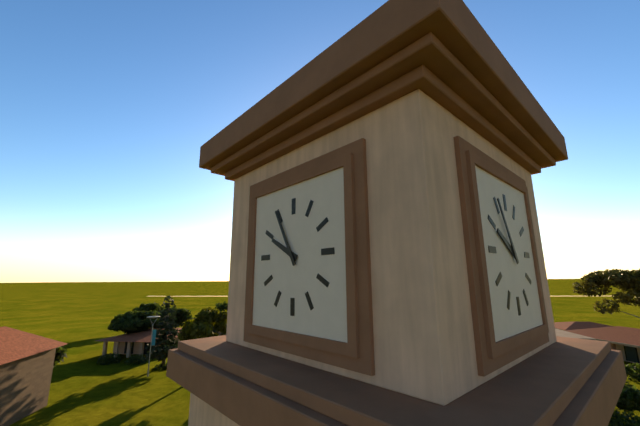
9,55
